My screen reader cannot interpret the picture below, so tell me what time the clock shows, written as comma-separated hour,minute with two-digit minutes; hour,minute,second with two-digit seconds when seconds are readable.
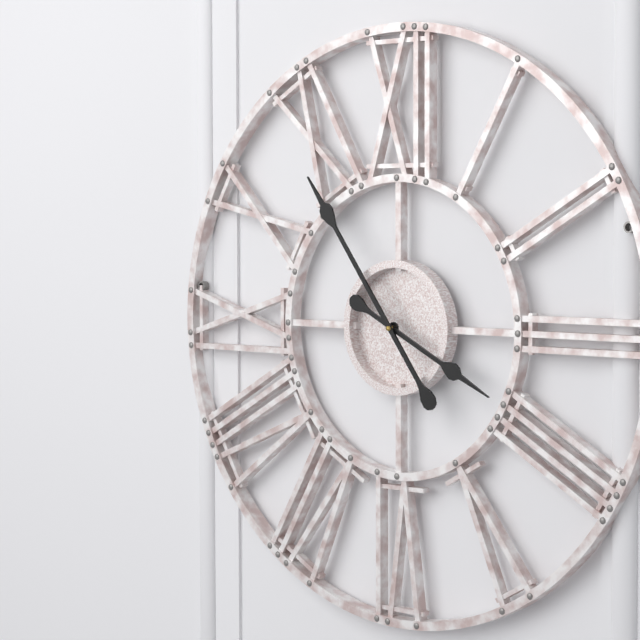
3,54
